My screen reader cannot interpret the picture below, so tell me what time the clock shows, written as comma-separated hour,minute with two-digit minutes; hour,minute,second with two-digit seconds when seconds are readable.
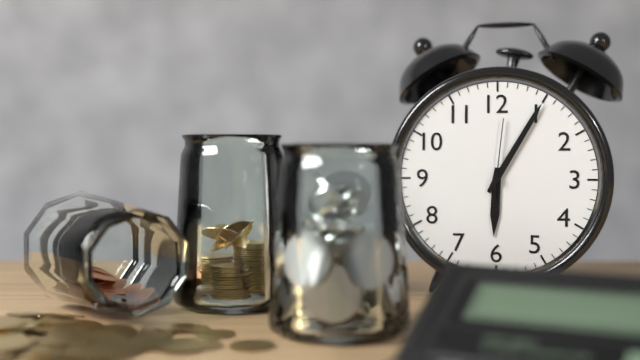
6,05,01
